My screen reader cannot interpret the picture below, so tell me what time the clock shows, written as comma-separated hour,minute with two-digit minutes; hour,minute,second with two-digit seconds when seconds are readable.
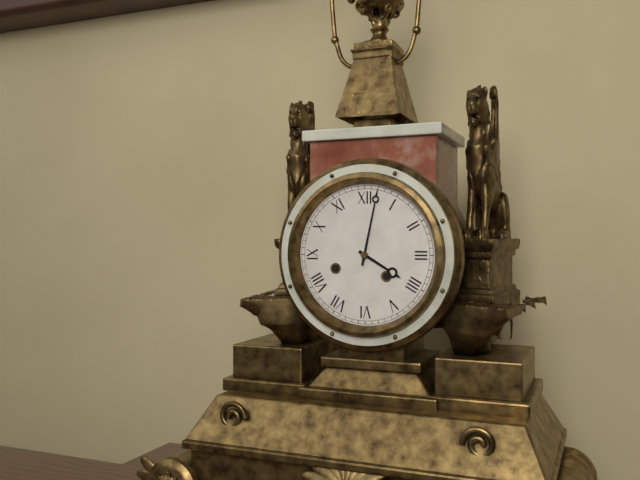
4,02
